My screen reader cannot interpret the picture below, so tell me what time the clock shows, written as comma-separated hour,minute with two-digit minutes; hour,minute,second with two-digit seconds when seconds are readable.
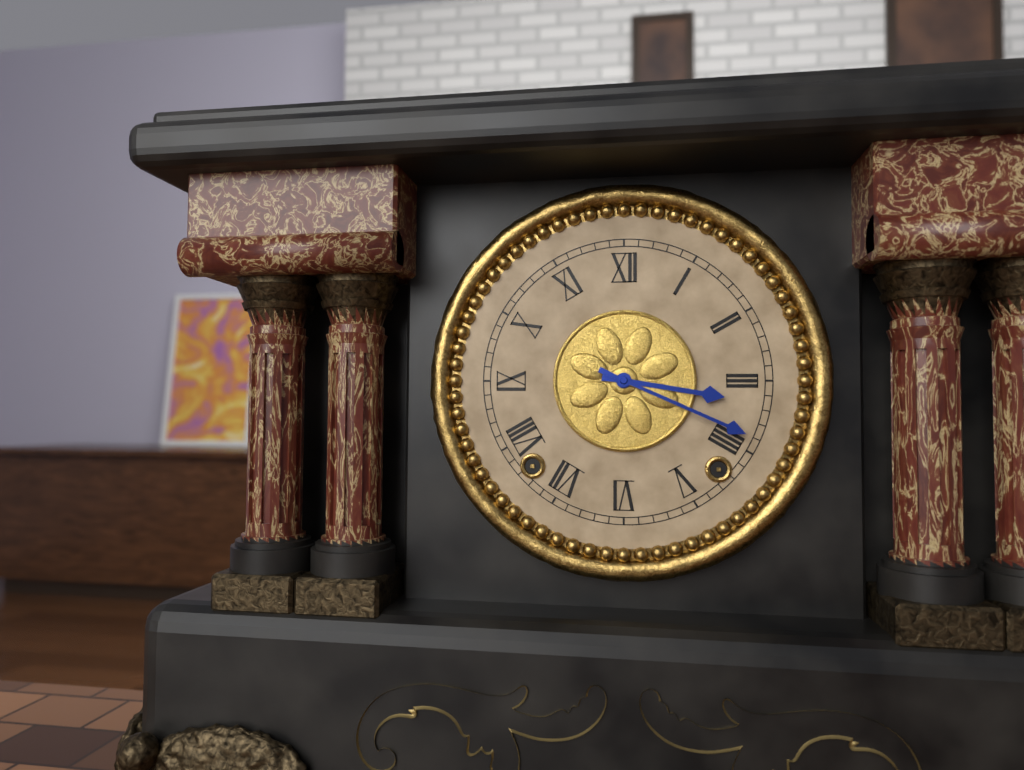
3,19
